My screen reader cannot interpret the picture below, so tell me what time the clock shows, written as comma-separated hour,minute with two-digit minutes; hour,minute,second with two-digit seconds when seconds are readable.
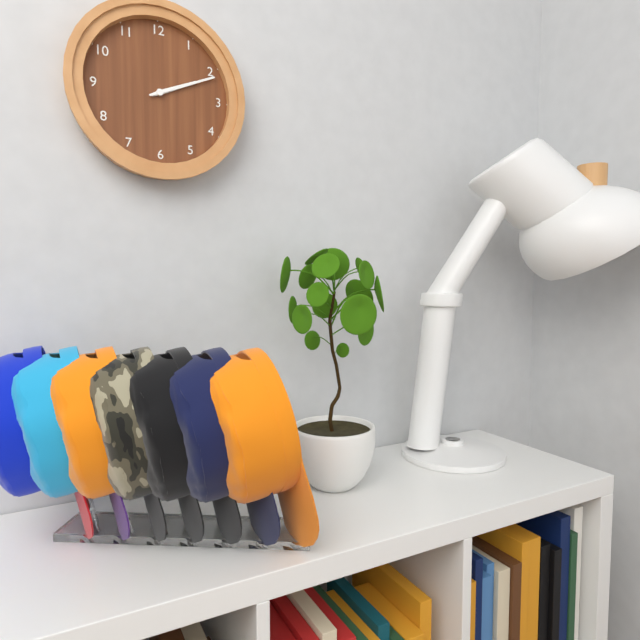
2,11
